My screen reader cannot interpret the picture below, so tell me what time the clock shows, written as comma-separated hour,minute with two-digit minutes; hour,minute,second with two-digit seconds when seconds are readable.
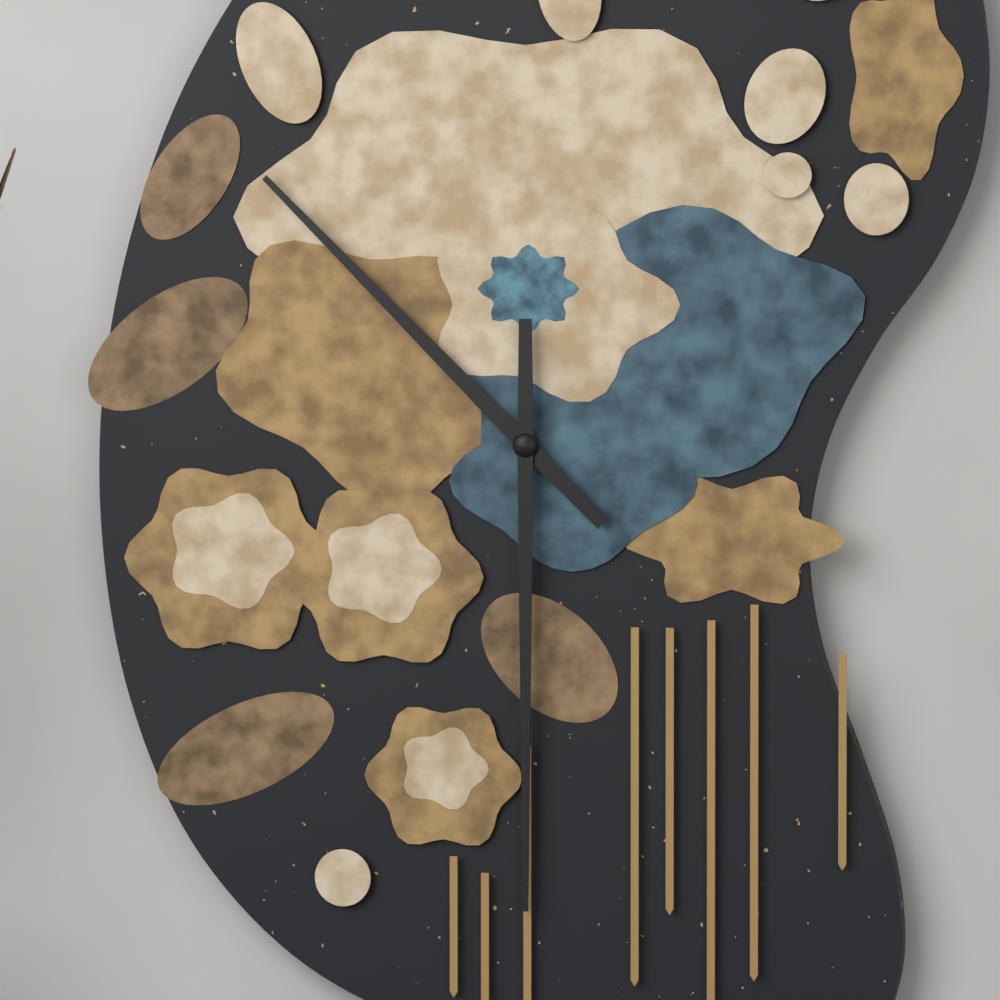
10,30
